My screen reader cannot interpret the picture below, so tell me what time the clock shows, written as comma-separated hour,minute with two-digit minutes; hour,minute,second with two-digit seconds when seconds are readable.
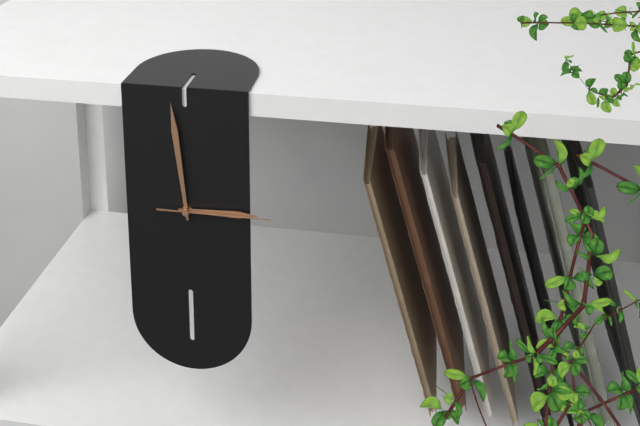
2,59,15
